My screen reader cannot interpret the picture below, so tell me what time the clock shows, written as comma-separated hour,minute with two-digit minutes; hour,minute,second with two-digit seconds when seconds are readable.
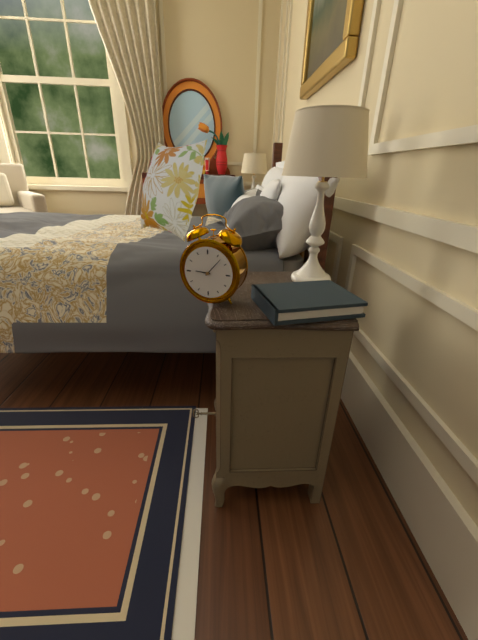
9,07
